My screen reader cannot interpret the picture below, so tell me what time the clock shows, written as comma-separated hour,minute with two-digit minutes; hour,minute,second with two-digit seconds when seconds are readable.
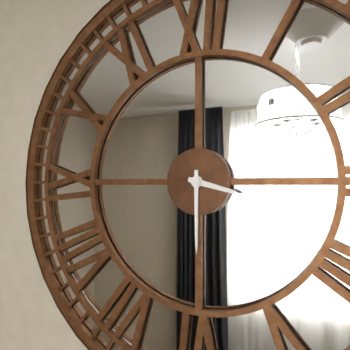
3,30
